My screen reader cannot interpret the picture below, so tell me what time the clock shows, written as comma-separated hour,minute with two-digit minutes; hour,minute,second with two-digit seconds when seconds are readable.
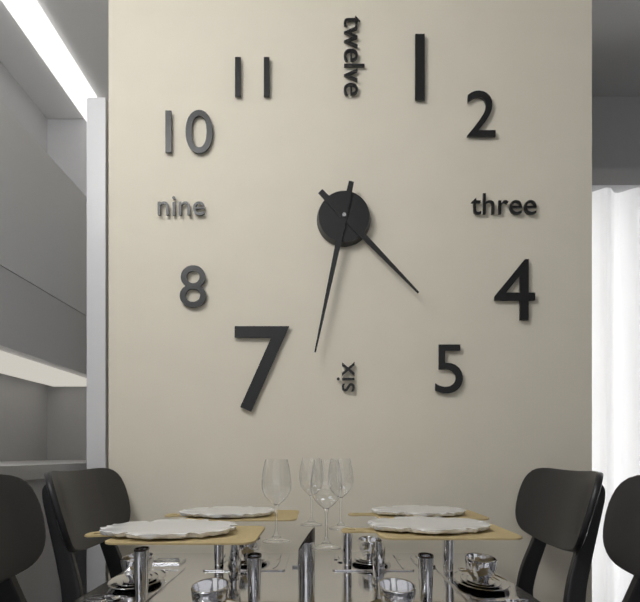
4,32
